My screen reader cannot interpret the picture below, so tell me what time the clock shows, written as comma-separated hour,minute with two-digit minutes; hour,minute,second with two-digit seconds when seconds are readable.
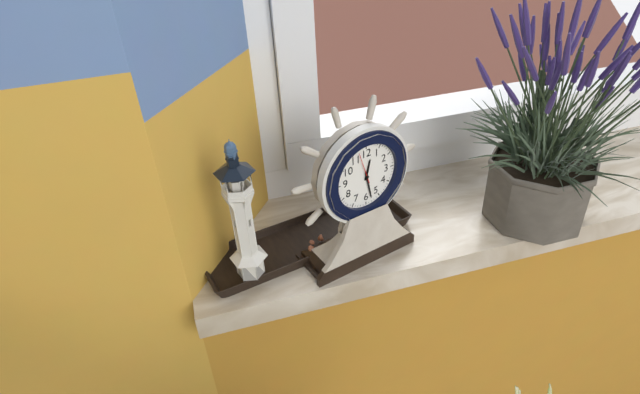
12,28
